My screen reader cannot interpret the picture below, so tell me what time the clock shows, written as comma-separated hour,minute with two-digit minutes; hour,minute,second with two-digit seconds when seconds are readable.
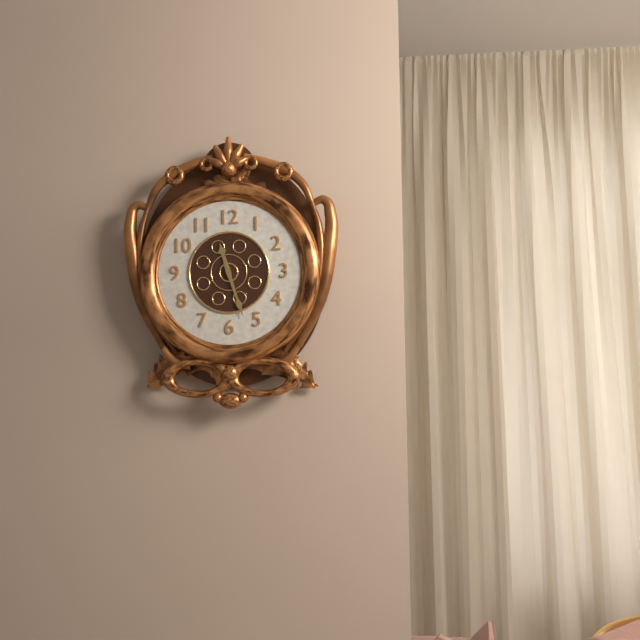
11,27
